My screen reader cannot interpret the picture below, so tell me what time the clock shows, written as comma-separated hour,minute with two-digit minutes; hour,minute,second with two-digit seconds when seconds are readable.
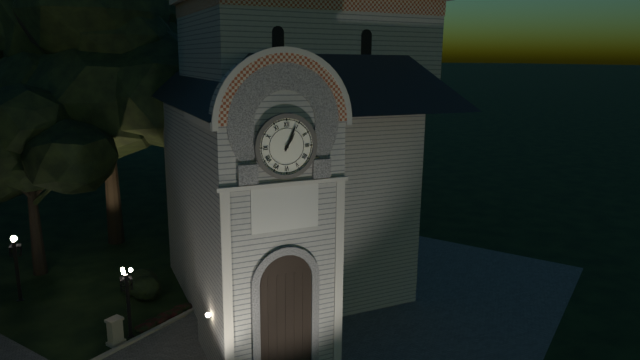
1,04
